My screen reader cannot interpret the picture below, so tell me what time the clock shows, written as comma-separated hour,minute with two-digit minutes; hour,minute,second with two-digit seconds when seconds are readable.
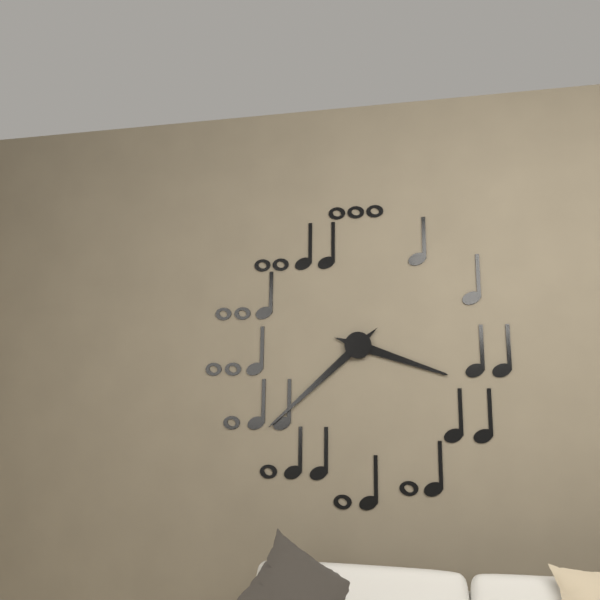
3,38
